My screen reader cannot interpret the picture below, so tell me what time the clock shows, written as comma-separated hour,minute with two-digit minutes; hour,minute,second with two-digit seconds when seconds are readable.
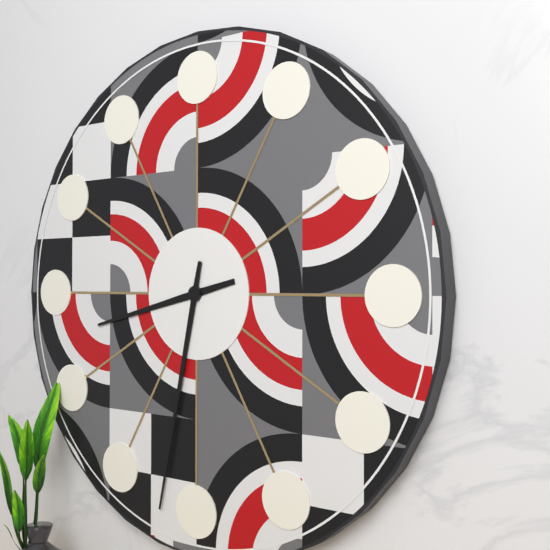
8,32
